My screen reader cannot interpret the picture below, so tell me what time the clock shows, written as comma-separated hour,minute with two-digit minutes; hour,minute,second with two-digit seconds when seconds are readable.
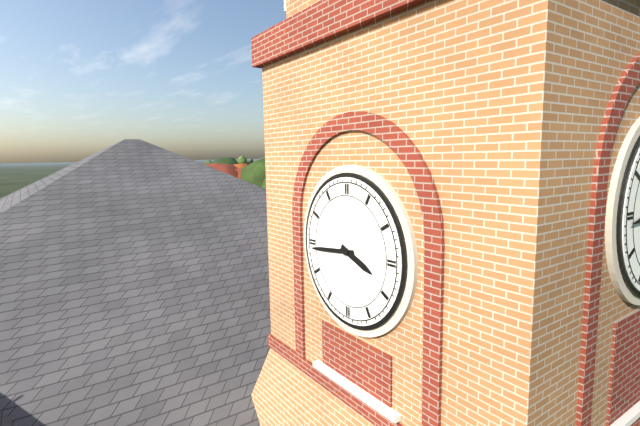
3,44
